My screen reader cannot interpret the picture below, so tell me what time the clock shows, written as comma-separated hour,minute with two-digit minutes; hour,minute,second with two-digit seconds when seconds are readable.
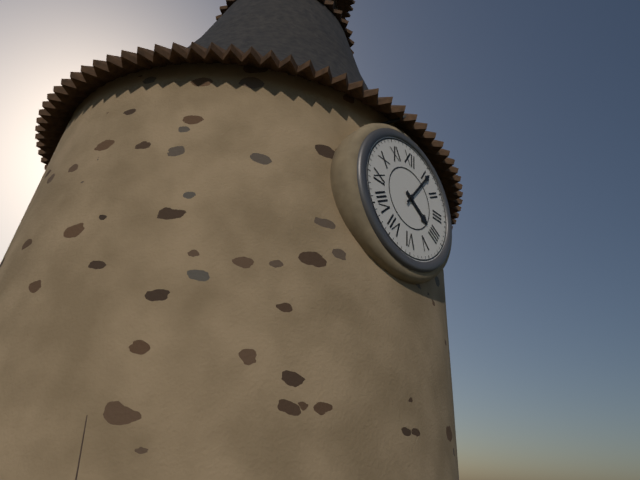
4,06
